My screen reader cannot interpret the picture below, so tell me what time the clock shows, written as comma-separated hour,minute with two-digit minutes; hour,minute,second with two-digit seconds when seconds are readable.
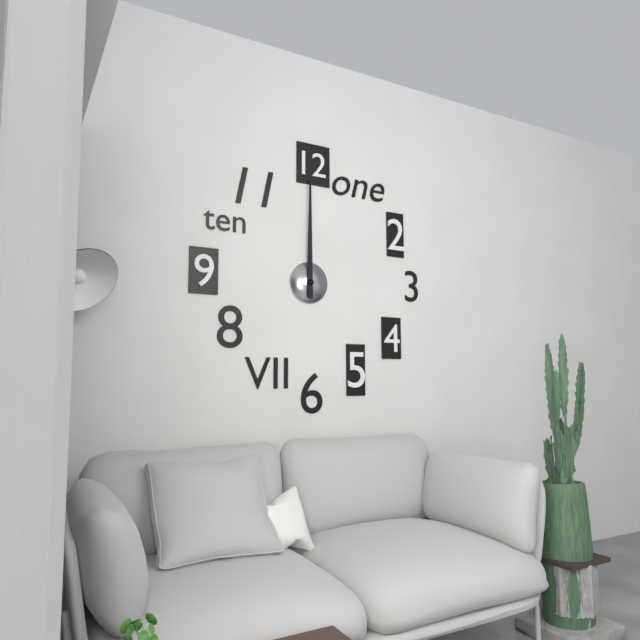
12,00
